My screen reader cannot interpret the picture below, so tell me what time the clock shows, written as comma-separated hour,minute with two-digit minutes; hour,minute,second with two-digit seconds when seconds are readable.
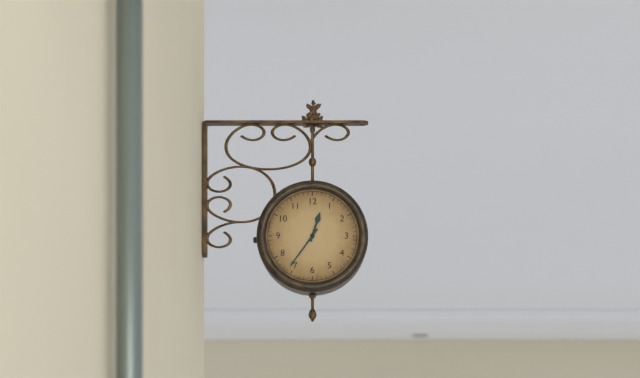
12,36
